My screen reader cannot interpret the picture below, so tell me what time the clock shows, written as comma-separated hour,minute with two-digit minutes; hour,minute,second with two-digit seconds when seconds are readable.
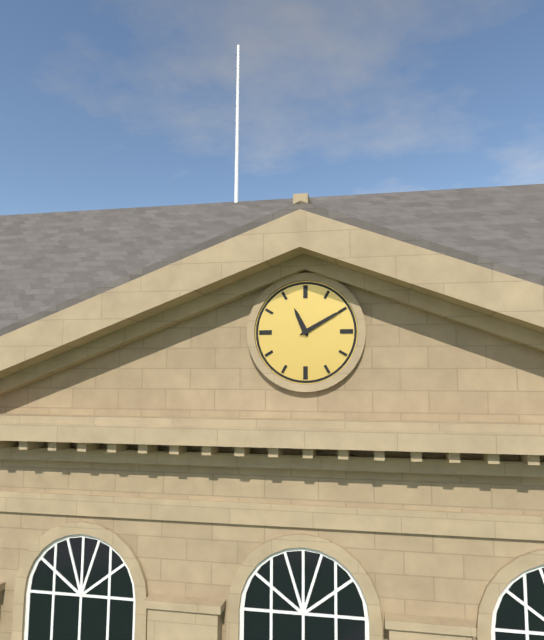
11,10
